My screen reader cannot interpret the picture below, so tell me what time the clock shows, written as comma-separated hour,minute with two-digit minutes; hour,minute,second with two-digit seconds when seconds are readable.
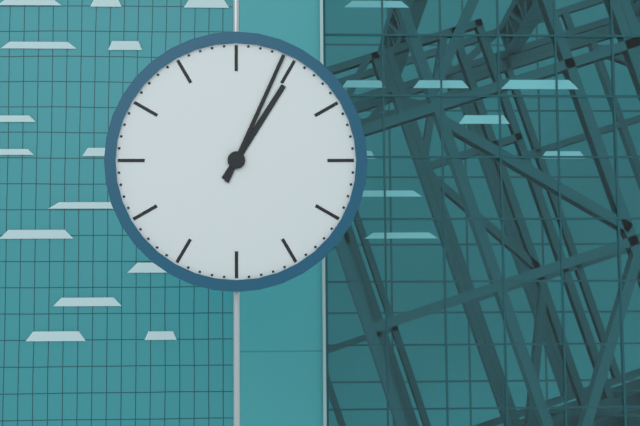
1,04
